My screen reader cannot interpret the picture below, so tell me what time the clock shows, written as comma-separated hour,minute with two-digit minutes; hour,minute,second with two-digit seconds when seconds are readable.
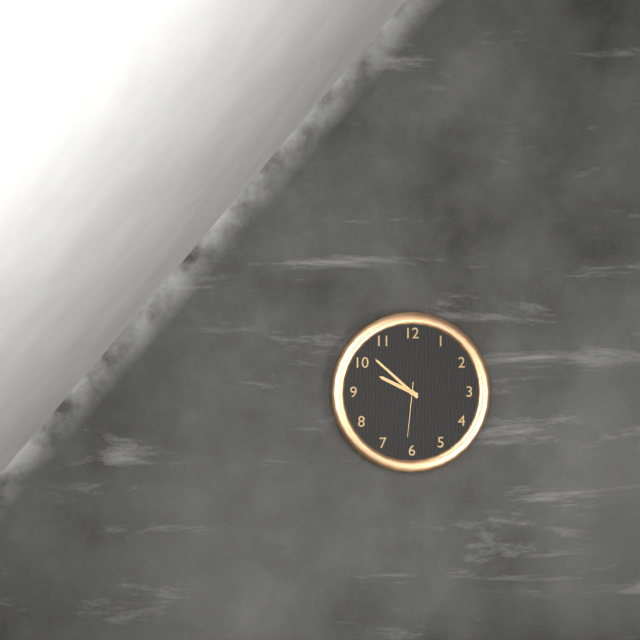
9,52,31
